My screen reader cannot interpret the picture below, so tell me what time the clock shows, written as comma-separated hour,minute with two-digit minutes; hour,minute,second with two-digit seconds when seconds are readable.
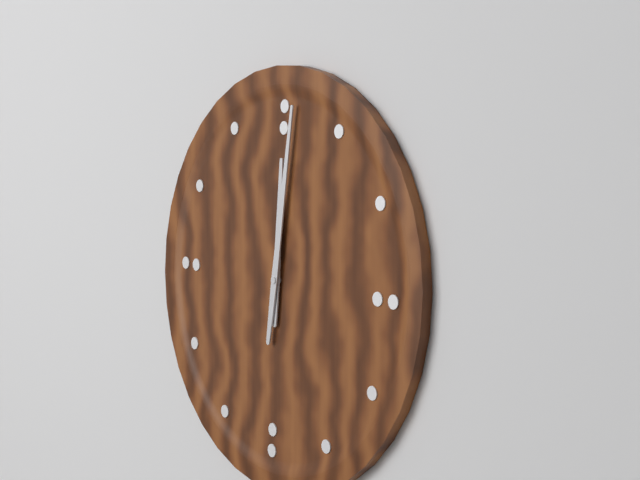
12,01
